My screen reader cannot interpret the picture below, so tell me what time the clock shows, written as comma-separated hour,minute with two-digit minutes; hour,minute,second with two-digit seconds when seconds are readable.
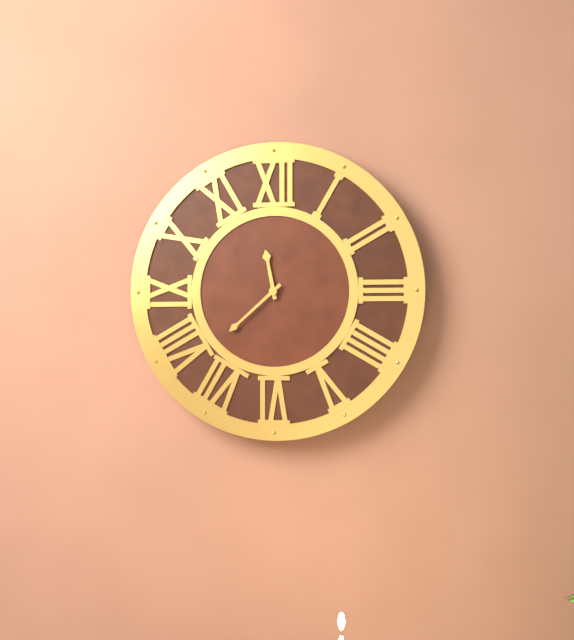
11,38
